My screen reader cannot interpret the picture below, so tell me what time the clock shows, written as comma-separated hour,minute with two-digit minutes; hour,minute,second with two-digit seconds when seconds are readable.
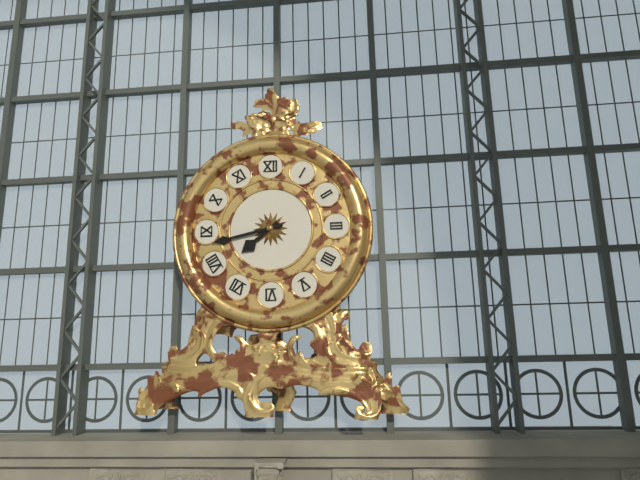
7,43
